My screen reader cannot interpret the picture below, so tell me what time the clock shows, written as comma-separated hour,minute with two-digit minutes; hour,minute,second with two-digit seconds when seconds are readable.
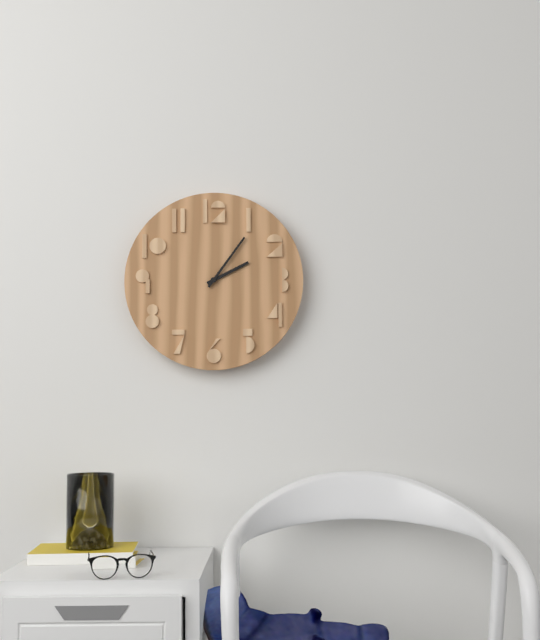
2,06
